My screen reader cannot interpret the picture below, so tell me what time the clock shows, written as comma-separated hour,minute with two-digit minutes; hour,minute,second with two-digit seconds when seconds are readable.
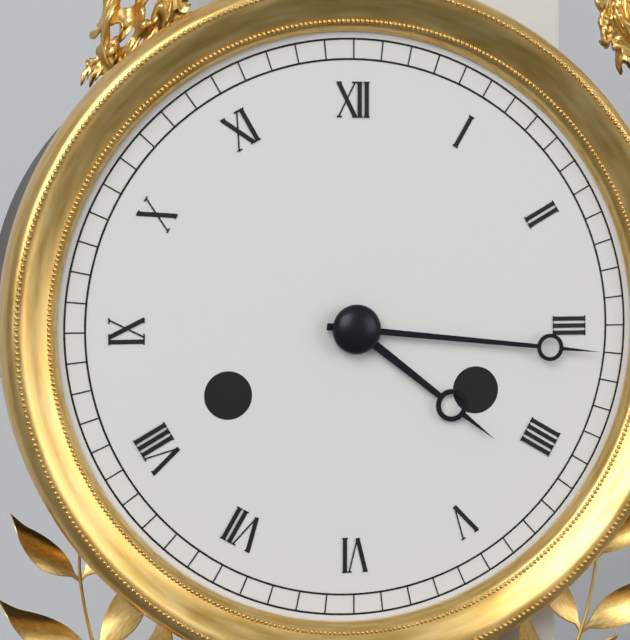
4,16
